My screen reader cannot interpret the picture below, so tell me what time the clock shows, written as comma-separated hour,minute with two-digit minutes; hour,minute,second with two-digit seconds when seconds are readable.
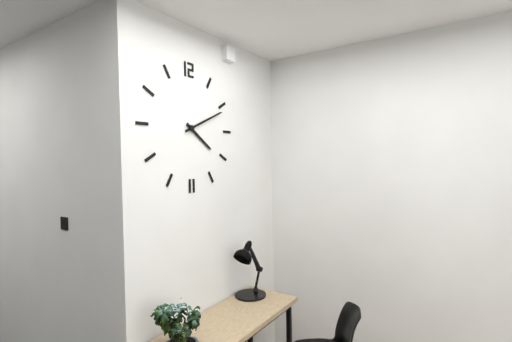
4,11
